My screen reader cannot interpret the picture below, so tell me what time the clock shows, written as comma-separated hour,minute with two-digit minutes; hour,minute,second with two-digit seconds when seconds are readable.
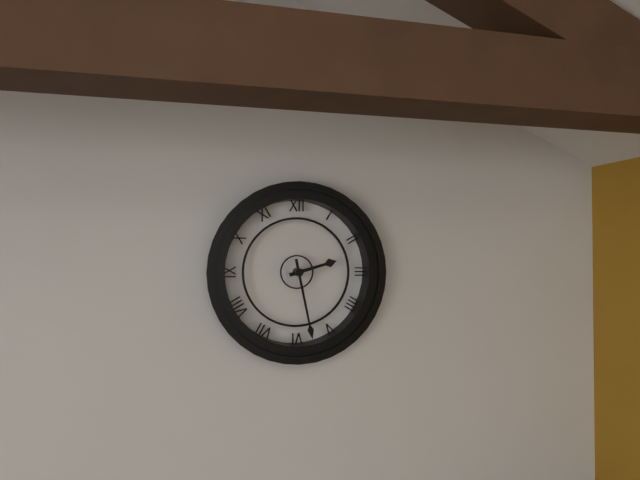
2,28
